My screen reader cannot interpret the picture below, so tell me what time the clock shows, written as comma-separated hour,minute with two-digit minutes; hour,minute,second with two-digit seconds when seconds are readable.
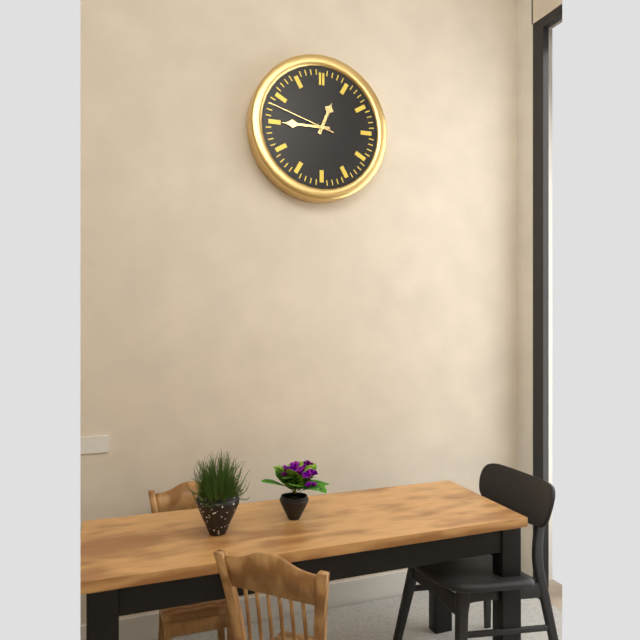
12,45,48
